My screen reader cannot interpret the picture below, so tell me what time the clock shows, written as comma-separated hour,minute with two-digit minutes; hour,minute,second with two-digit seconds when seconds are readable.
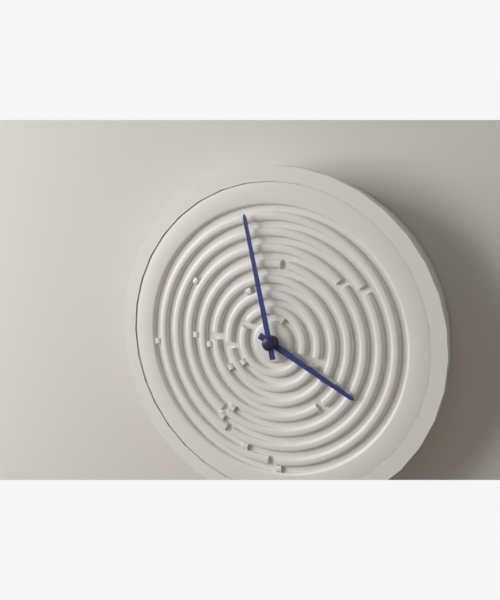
3,58
